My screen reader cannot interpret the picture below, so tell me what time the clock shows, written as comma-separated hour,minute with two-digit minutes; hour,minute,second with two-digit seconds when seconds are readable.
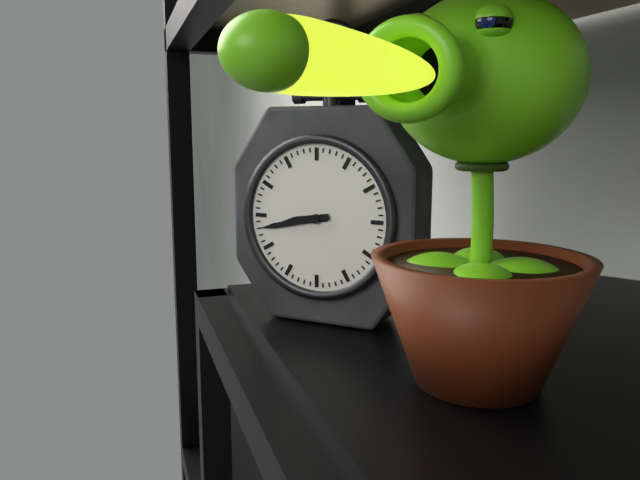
8,43
